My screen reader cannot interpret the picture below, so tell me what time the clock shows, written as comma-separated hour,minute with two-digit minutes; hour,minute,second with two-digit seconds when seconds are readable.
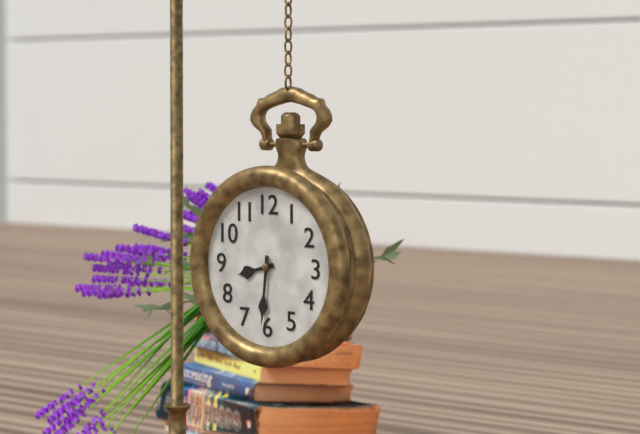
8,31
